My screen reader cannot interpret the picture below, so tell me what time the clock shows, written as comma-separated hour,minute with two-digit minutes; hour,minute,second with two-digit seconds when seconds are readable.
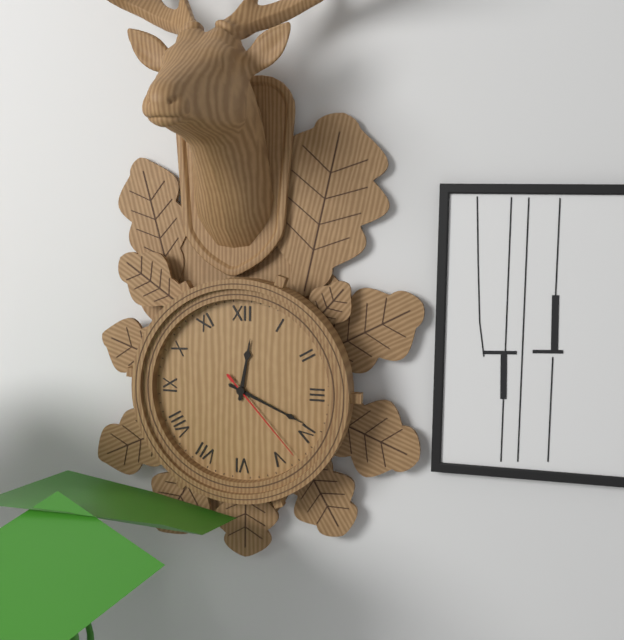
12,19,23
